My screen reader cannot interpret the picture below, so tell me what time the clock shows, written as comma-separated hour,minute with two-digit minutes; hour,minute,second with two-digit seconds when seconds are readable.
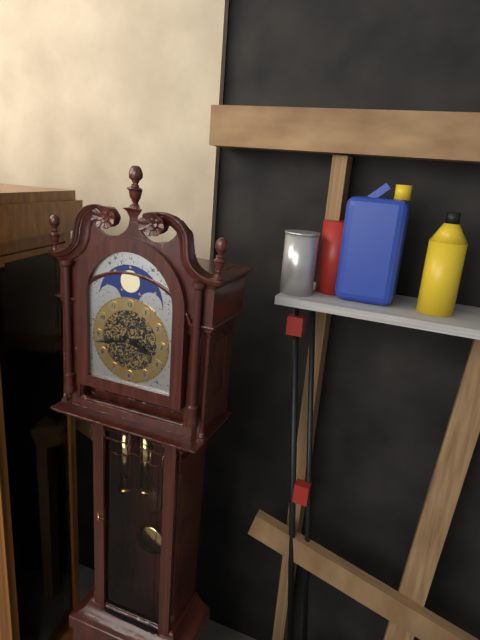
3,43
